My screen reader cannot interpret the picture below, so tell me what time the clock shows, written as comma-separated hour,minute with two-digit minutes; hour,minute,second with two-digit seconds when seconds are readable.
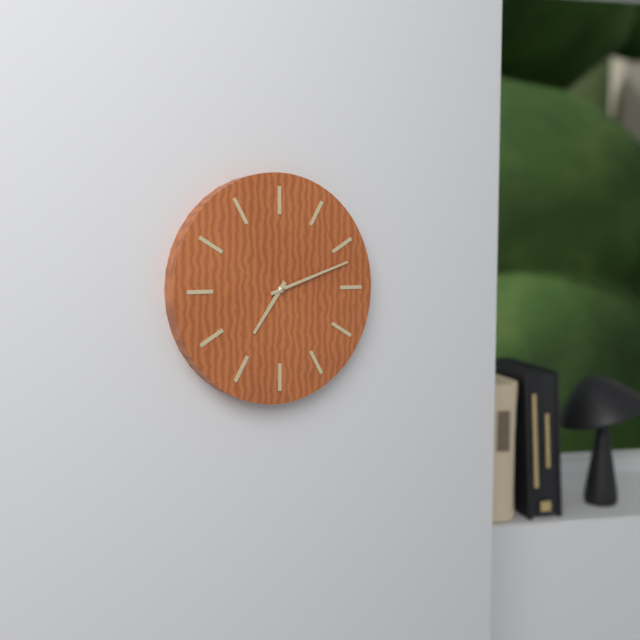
7,12
